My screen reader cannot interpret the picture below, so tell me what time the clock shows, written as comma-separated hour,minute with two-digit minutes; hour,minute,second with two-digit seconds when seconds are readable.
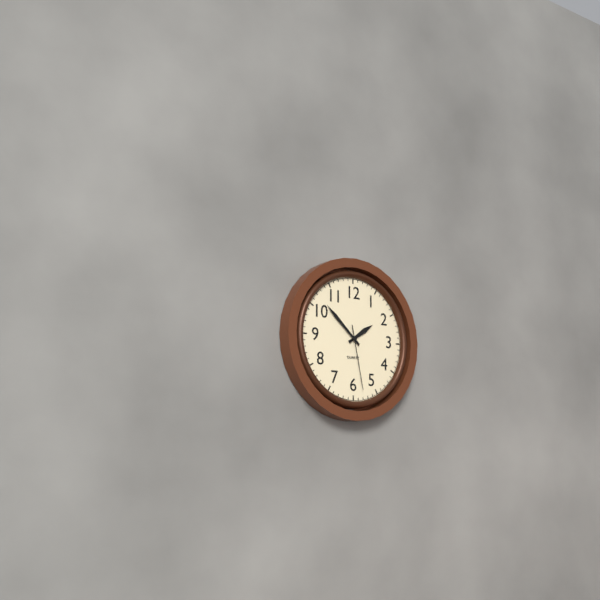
1,52,28
